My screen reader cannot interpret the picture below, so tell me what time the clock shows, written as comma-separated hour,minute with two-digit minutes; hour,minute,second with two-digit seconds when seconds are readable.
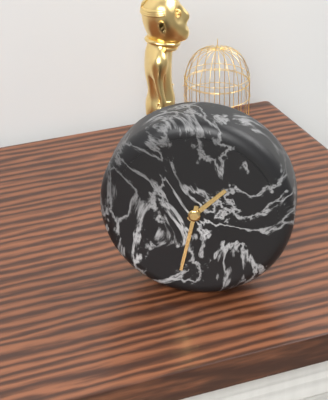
1,32
